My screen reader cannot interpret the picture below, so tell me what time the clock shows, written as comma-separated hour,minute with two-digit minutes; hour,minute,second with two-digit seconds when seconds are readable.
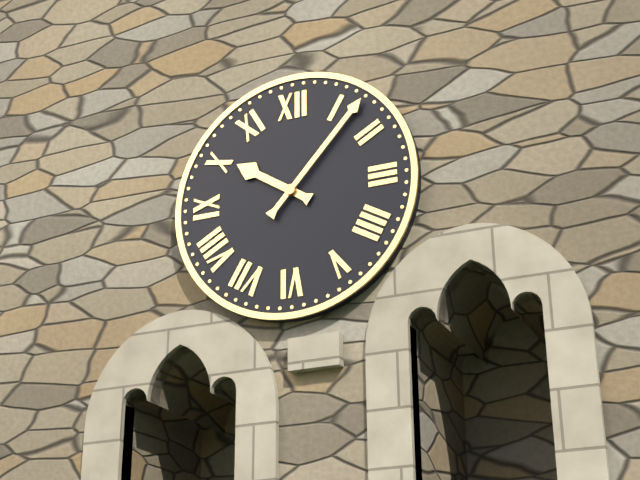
10,07
